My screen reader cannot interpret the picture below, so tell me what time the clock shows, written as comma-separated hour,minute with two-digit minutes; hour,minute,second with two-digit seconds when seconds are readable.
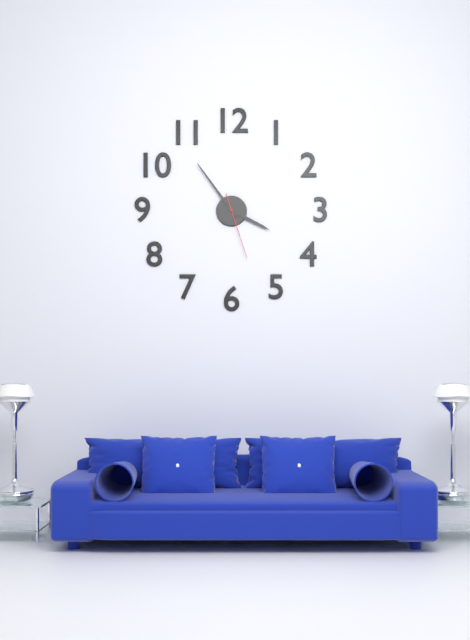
3,54,27
